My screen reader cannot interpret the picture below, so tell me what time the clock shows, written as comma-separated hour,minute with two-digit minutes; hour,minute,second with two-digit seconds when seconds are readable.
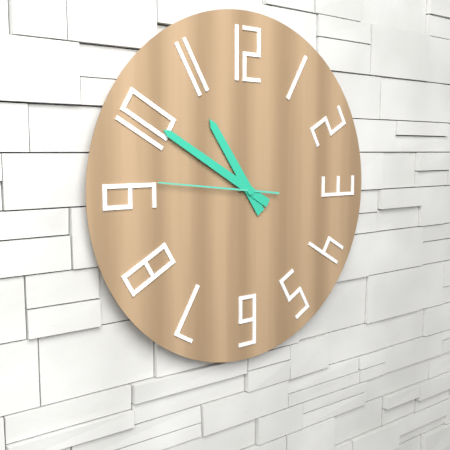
10,50,46
